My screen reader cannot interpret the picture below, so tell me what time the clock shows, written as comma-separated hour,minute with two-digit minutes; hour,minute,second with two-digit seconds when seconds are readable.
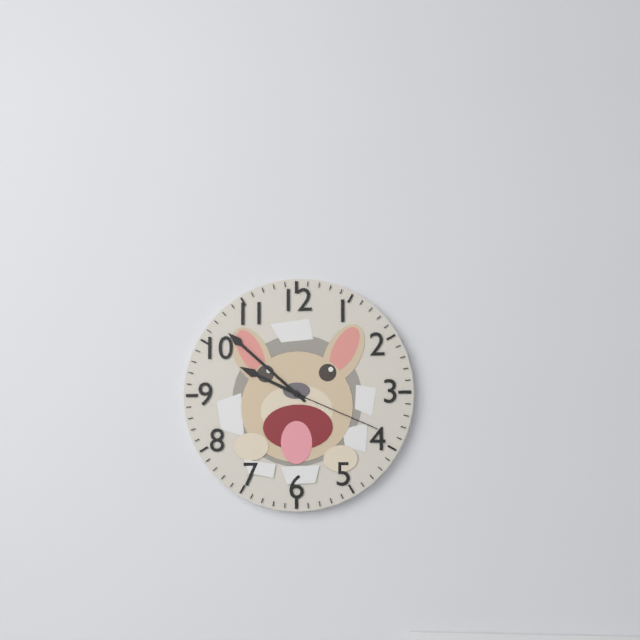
9,52,19
